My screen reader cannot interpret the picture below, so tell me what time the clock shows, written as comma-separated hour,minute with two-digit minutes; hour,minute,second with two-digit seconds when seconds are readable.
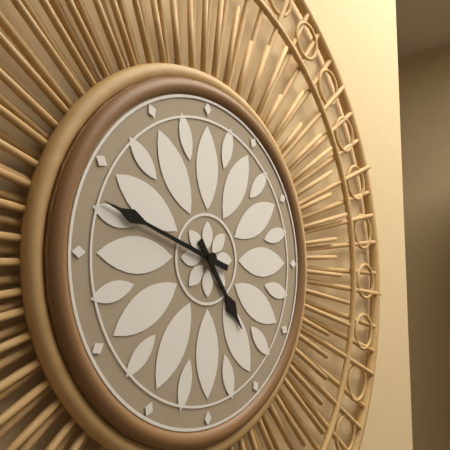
4,48
